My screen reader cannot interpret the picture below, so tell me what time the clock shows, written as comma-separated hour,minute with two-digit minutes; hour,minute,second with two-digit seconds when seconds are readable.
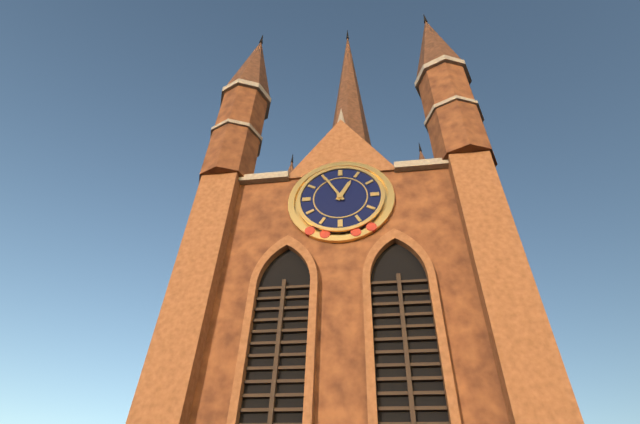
12,55
